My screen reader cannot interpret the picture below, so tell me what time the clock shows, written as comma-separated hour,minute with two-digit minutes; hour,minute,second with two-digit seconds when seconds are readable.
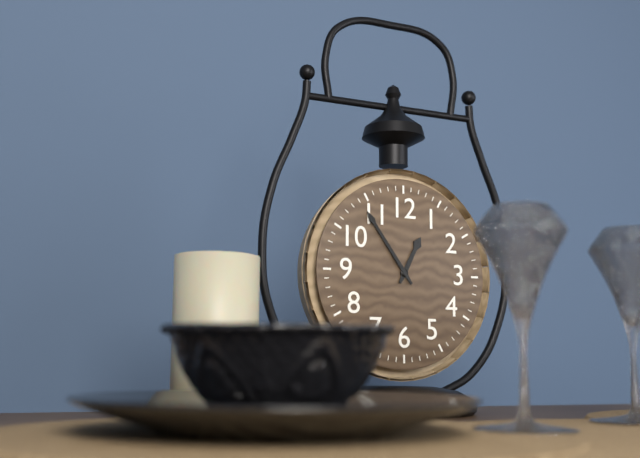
12,54
